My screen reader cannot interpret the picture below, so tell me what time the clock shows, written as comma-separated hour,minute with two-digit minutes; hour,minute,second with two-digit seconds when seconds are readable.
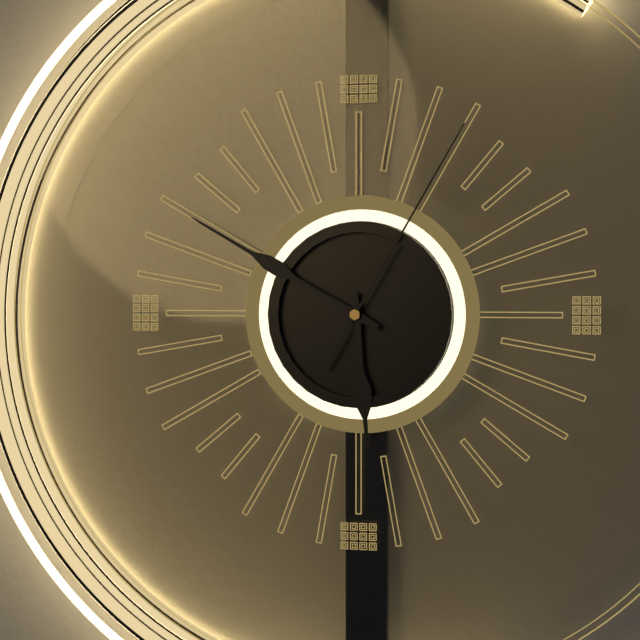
5,50,05
